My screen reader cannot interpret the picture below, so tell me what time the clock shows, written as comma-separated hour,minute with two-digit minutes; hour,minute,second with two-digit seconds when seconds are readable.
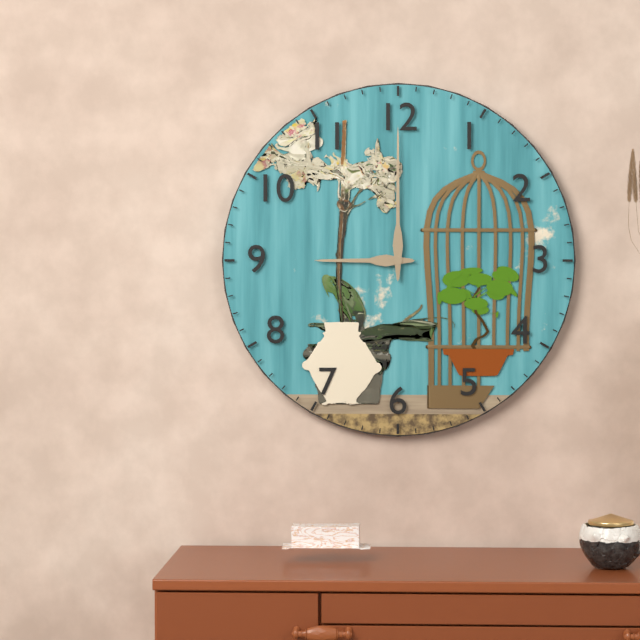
9,00
